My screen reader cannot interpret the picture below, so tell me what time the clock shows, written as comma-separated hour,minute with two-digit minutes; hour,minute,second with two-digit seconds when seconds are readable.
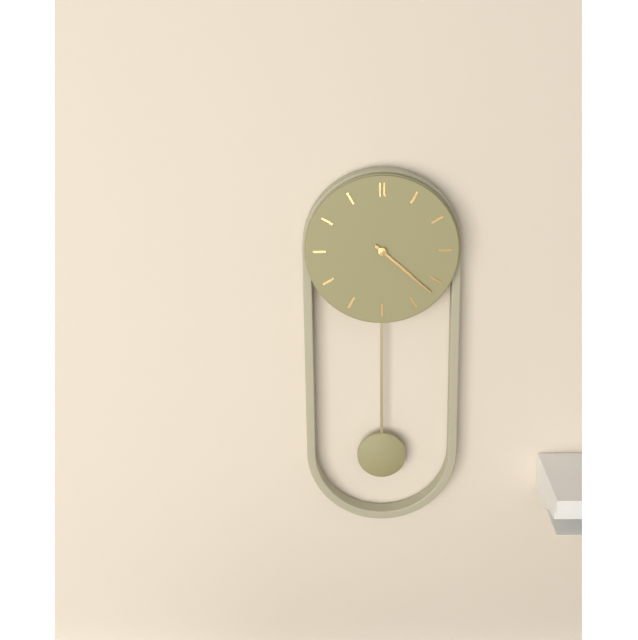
4,22
